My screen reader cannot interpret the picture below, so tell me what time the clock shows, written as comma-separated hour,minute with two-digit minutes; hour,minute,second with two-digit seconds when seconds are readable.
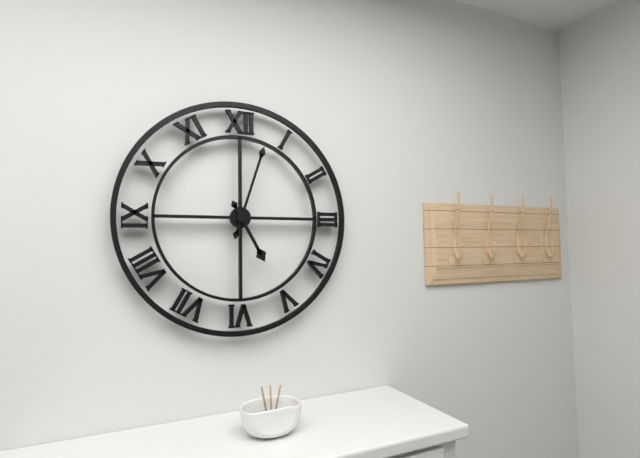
5,03
